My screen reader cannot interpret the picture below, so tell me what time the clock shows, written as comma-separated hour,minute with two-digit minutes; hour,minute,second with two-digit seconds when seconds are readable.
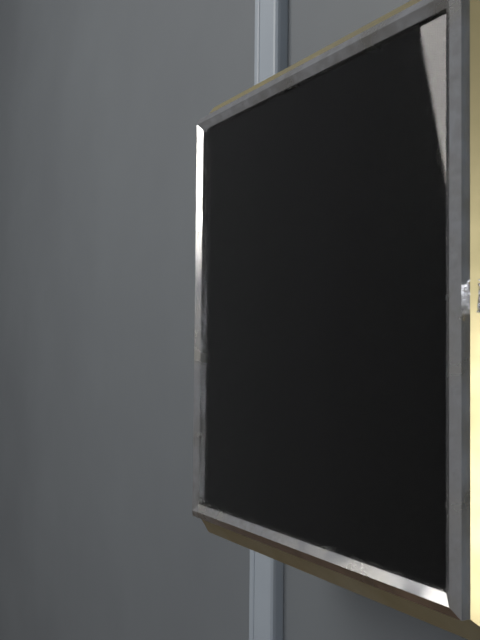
4,28
